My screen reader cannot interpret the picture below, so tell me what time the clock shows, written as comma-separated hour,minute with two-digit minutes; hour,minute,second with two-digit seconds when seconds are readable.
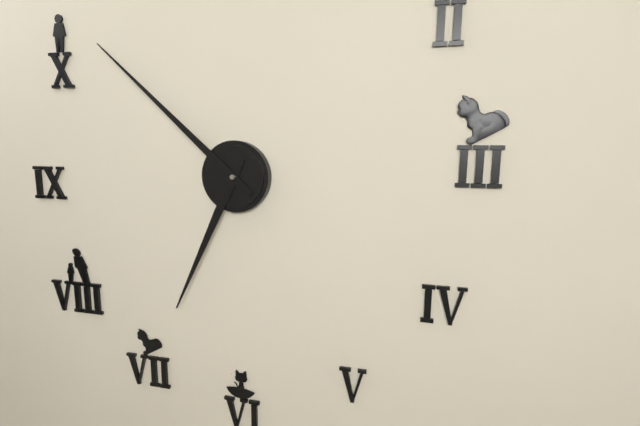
6,52
